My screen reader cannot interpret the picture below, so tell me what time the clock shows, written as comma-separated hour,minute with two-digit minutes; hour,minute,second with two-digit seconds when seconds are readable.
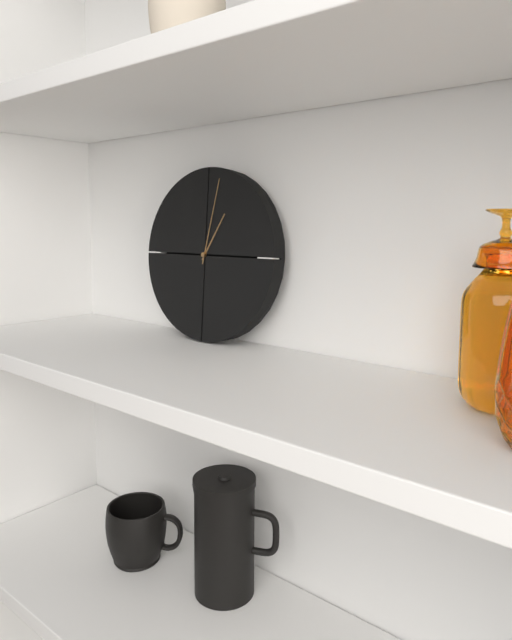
1,02
